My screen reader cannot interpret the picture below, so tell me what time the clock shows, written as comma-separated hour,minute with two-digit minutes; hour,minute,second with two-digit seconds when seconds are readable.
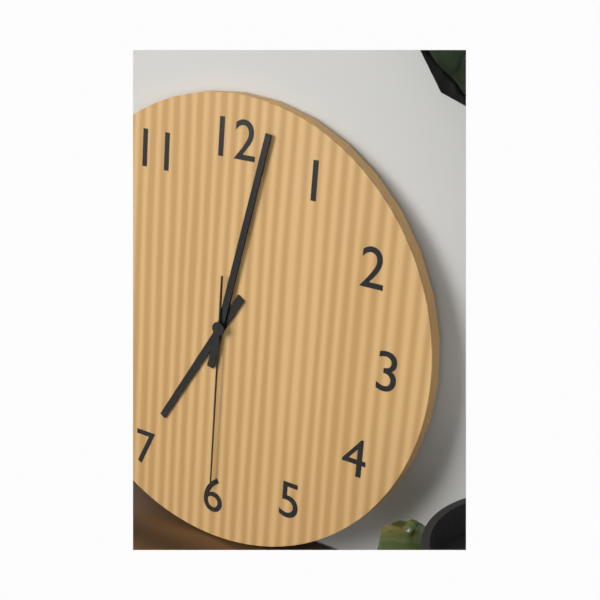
7,02,30
